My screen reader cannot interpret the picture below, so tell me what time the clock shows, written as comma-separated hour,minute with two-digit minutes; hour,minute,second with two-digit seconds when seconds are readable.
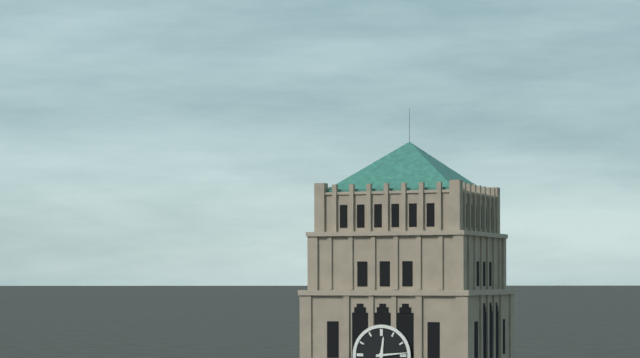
12,14
